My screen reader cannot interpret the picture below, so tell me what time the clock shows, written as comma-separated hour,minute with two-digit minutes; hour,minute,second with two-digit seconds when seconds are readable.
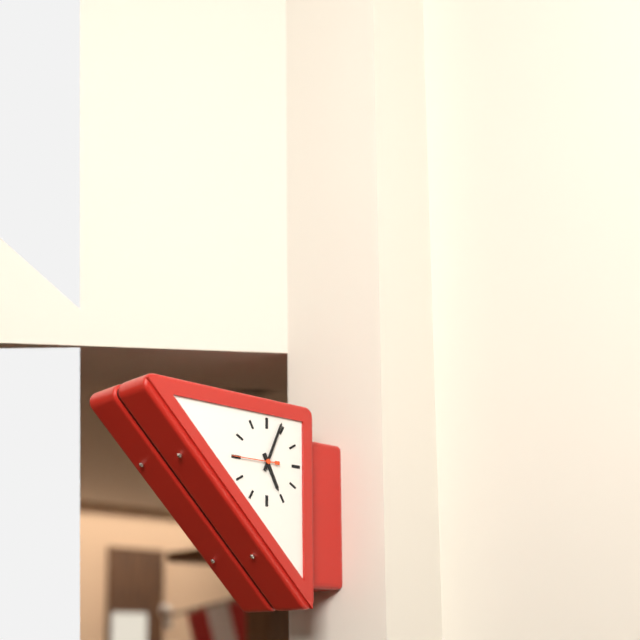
5,04
